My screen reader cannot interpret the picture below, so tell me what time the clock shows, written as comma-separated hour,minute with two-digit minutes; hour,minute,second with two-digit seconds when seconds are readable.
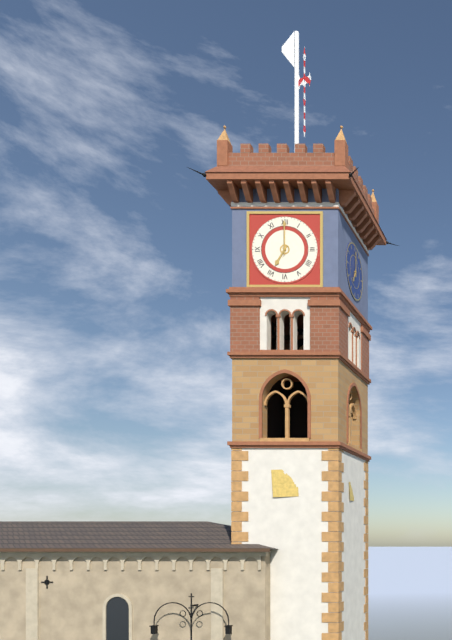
7,00
